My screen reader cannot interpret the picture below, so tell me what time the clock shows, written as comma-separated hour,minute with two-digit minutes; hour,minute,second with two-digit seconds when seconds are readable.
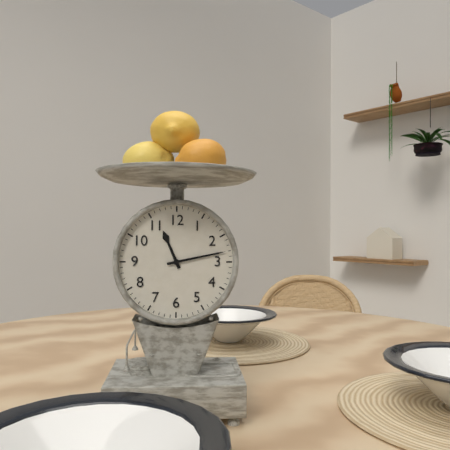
11,13
